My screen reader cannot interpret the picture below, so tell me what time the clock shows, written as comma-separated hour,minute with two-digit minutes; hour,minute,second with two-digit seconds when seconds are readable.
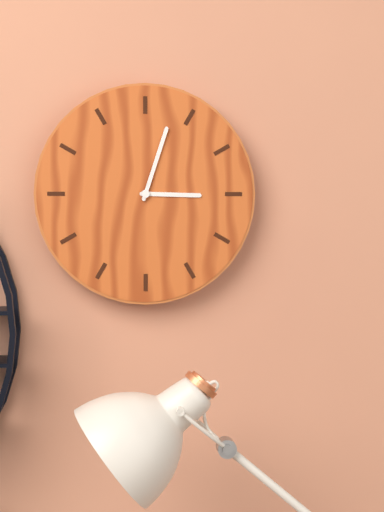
3,03
